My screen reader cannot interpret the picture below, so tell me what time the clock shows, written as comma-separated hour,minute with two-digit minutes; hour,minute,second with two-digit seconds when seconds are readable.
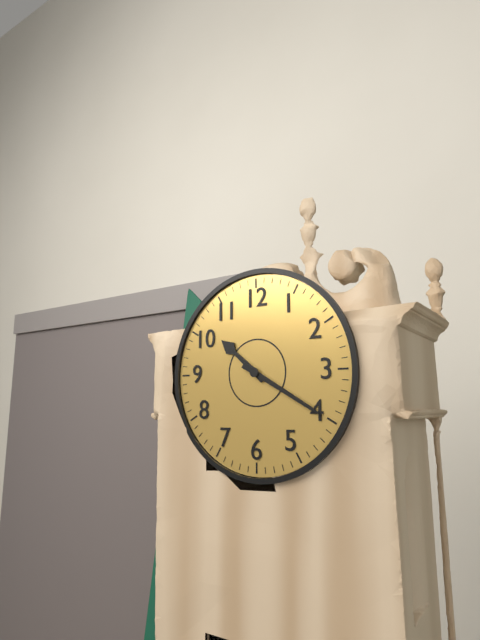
10,20
